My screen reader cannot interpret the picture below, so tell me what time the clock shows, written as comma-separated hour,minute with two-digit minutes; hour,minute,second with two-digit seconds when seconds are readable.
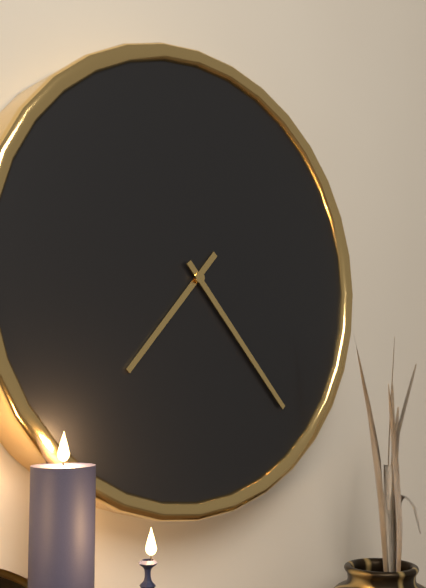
7,23
